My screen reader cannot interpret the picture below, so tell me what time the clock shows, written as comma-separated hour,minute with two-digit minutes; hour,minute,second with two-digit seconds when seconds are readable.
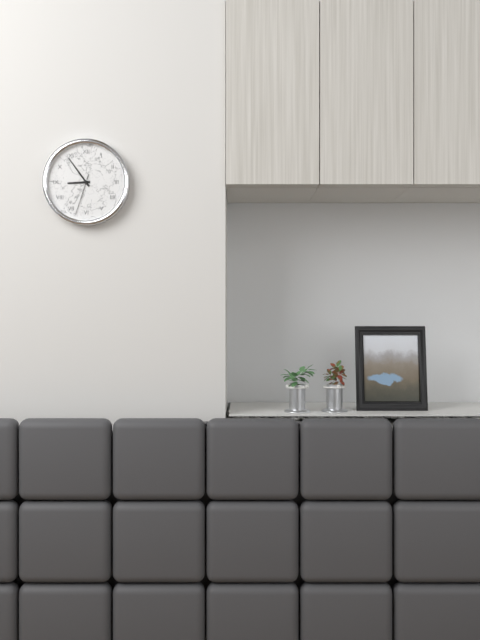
8,54
